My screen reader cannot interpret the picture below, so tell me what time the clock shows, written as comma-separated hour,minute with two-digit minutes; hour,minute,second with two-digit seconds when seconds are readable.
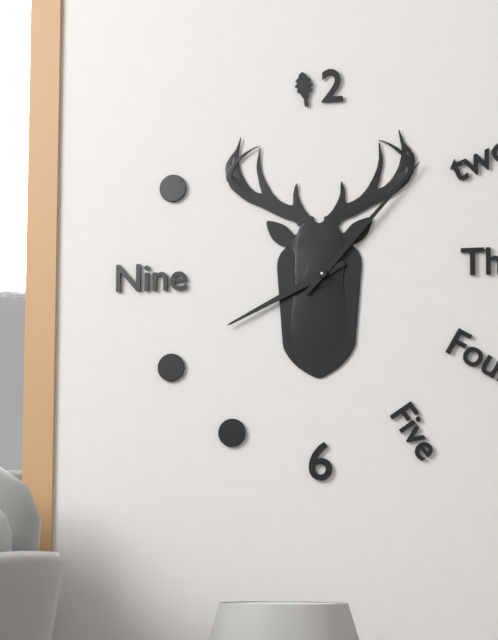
8,07
